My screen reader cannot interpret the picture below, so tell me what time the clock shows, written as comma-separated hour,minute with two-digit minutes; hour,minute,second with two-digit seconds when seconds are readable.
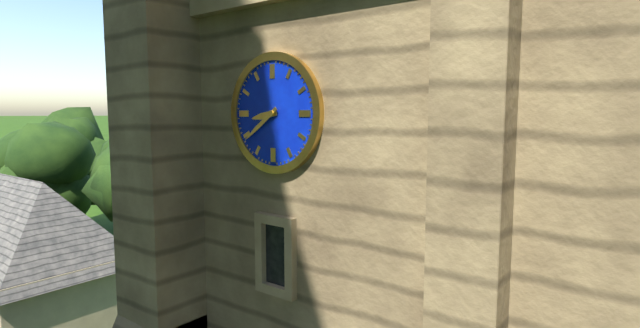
8,39
